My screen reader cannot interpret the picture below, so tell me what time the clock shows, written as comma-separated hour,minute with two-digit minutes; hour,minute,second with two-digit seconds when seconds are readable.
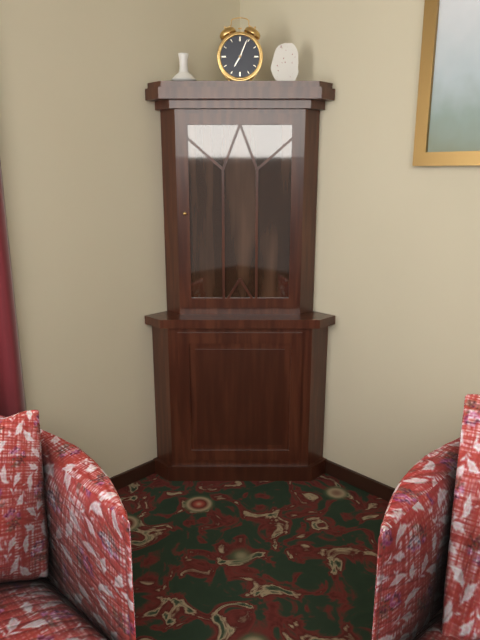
7,04
